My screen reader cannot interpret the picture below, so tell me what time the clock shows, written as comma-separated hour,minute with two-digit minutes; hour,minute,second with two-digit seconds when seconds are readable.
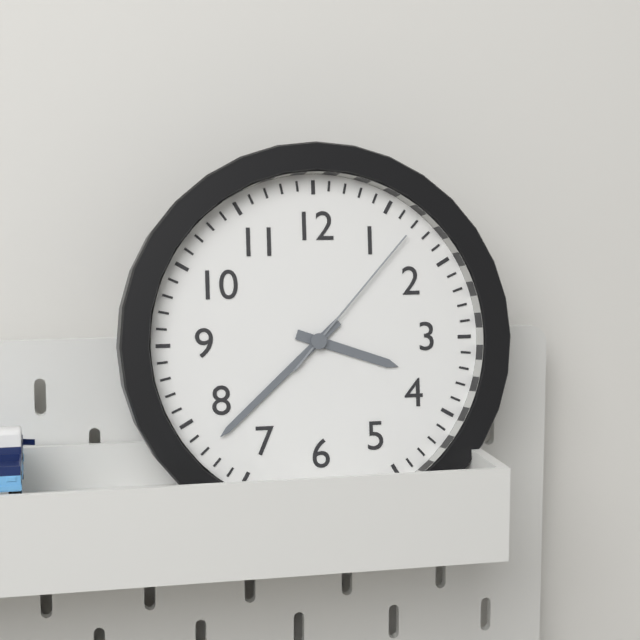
3,38,07
